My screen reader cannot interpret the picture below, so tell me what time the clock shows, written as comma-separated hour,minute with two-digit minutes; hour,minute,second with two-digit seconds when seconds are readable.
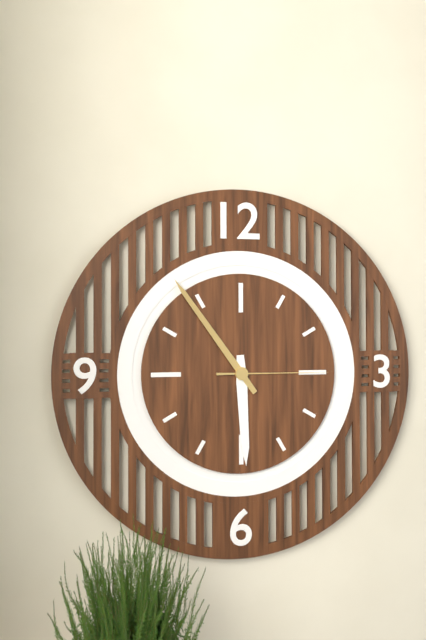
5,54,15
